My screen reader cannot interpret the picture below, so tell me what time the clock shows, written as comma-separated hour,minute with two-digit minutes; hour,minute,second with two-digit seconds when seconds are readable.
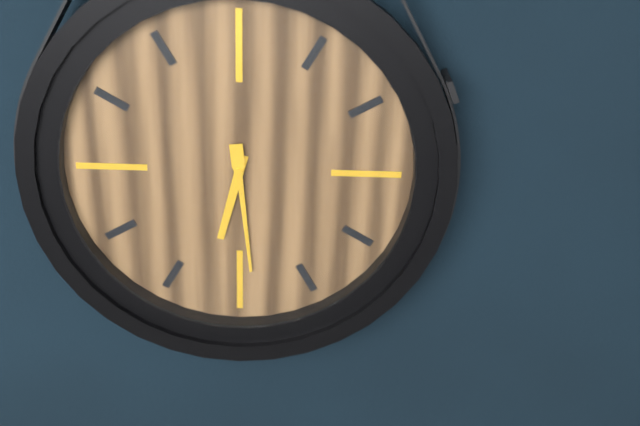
6,29
